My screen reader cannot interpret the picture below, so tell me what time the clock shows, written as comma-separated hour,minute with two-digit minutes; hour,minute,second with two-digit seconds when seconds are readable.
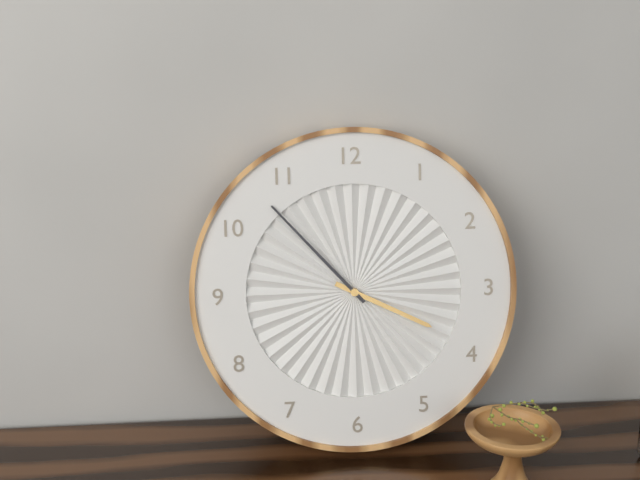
3,53
